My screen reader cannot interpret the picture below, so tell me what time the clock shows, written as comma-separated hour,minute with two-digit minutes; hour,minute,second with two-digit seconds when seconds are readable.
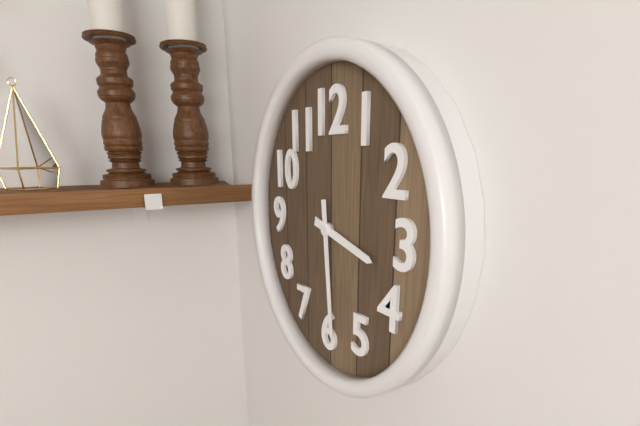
3,29
